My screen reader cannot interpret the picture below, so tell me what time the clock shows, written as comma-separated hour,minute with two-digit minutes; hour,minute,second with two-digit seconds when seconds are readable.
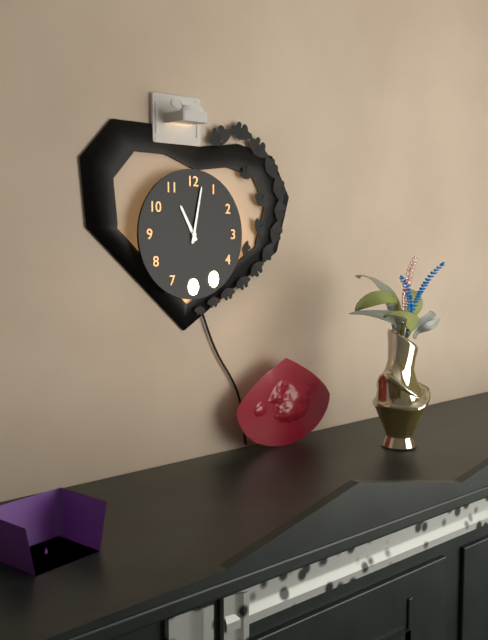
11,02
